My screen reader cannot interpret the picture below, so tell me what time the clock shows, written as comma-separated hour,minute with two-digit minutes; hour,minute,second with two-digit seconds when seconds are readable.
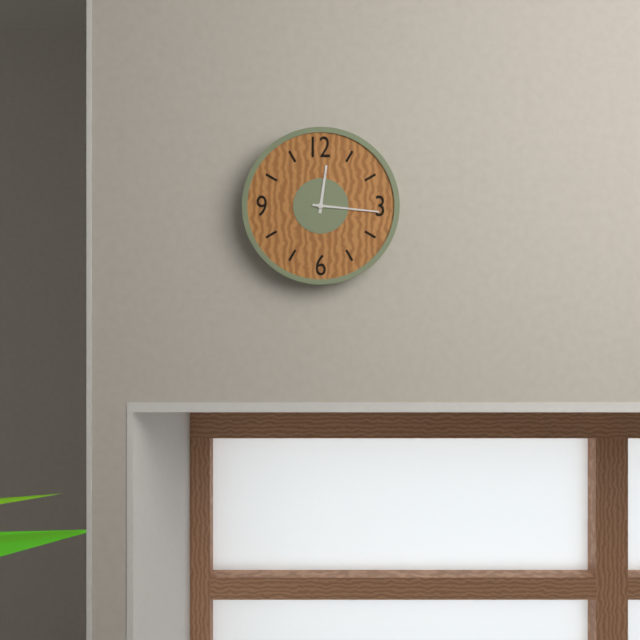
12,16
